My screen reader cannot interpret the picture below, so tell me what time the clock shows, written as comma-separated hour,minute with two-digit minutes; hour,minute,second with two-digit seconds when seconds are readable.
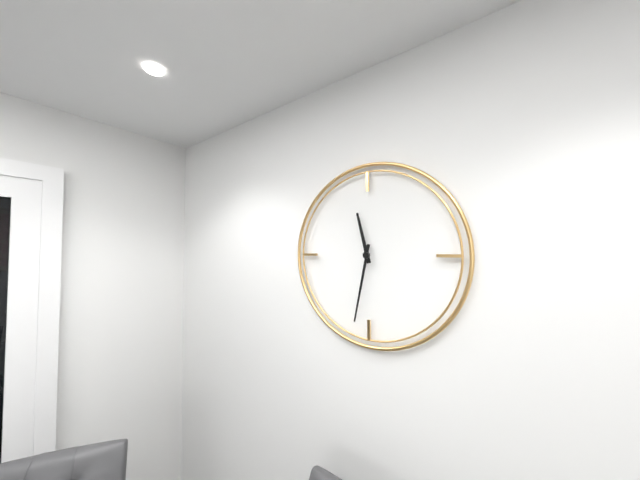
11,32
